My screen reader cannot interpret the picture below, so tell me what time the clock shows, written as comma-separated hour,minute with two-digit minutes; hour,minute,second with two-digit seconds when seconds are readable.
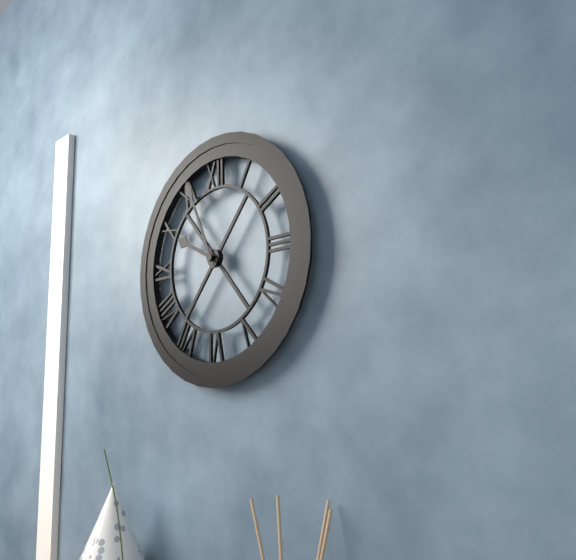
9,56
